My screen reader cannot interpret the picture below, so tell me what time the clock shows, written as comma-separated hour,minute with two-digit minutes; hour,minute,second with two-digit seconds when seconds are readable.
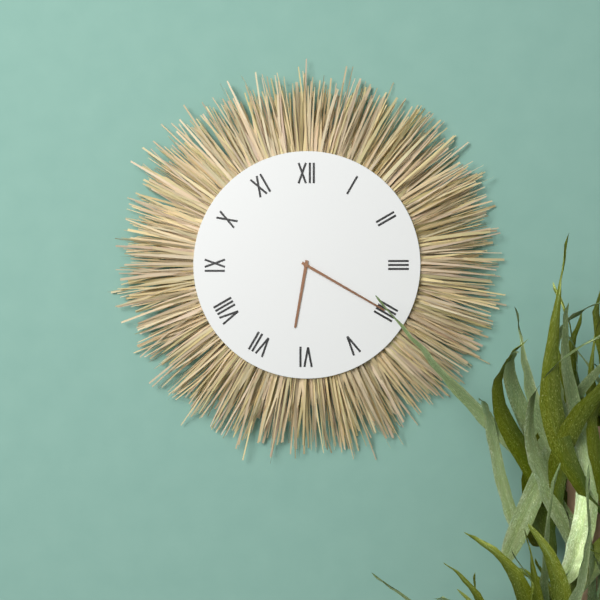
6,20
